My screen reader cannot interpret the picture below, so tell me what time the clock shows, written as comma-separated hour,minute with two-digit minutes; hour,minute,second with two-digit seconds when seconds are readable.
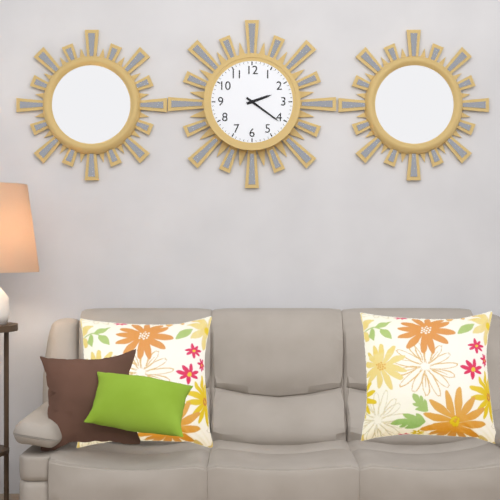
2,21
